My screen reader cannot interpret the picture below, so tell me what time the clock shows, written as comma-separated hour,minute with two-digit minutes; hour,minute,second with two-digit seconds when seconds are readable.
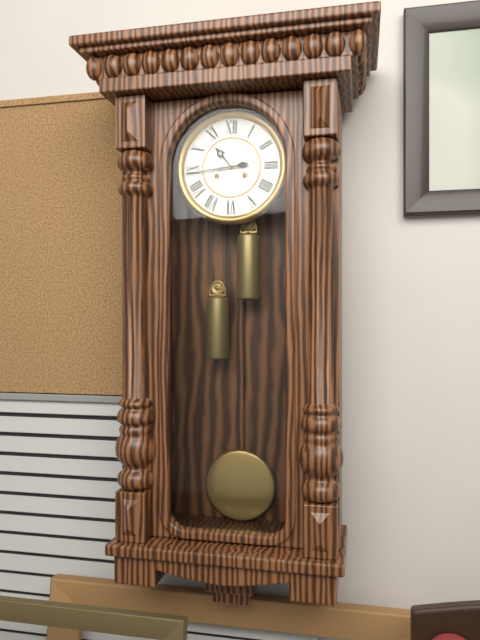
10,44
